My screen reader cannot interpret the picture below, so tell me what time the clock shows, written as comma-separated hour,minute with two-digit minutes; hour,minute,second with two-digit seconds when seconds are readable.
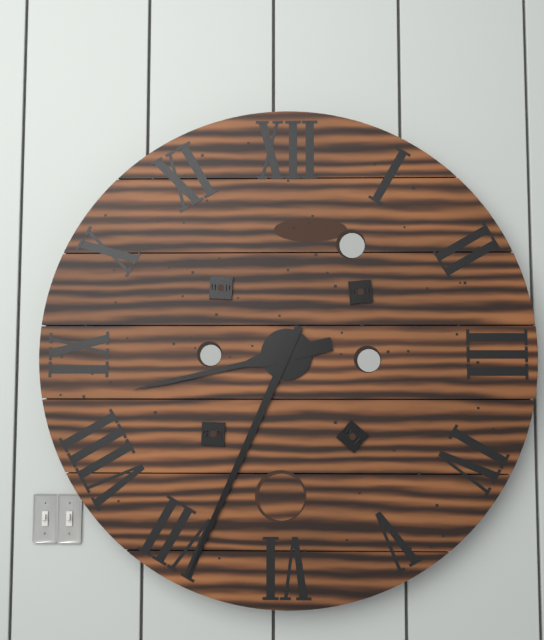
8,34
